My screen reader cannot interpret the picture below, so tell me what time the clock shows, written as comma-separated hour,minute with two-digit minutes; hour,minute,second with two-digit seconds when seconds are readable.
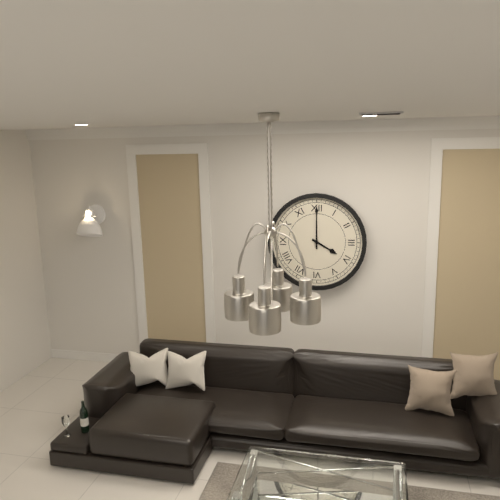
4,00
